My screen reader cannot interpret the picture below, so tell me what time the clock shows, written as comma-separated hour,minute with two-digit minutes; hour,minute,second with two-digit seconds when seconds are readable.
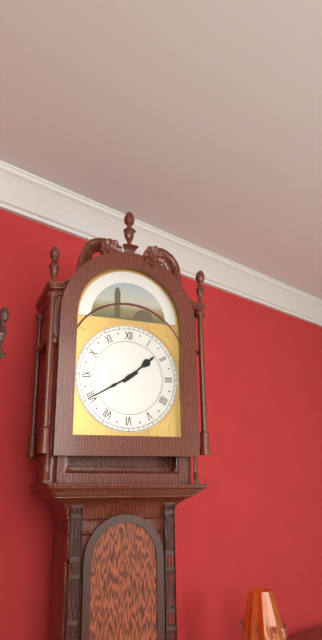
1,40
